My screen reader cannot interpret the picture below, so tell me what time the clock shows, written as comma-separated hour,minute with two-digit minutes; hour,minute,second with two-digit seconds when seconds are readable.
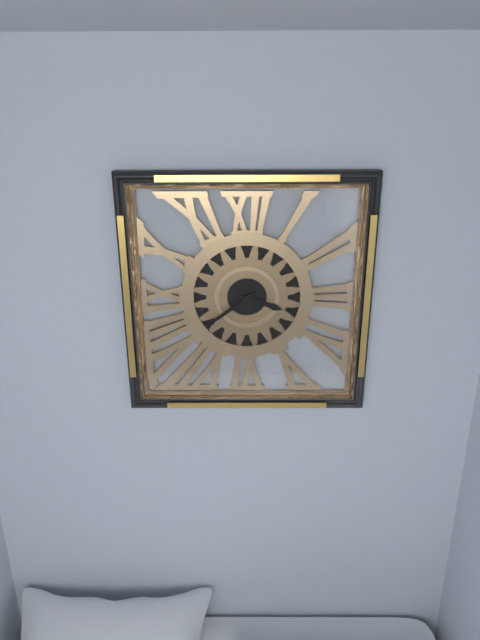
3,39
